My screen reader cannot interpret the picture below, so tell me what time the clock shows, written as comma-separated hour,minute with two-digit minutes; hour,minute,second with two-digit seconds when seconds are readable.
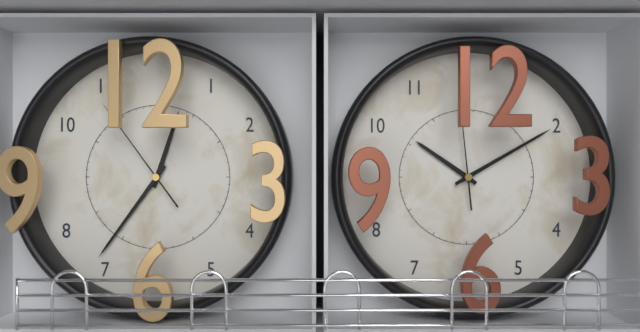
12,36,54
